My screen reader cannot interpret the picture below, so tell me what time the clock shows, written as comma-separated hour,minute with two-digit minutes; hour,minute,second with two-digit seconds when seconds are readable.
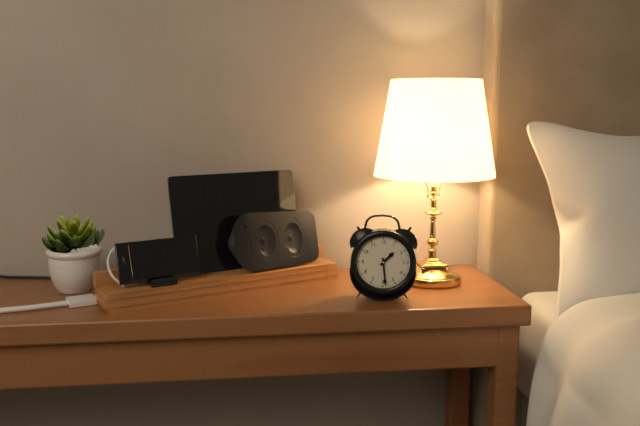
1,29
